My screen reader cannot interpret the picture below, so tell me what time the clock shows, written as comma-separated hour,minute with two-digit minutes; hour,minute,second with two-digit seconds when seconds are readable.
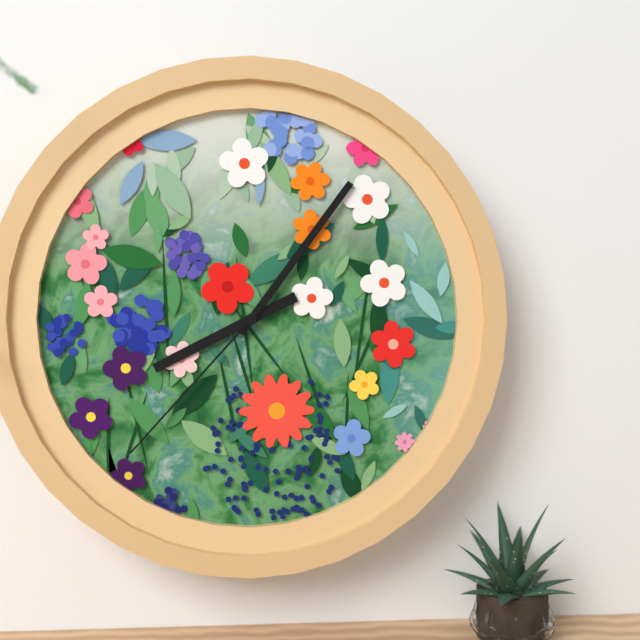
8,06,37
